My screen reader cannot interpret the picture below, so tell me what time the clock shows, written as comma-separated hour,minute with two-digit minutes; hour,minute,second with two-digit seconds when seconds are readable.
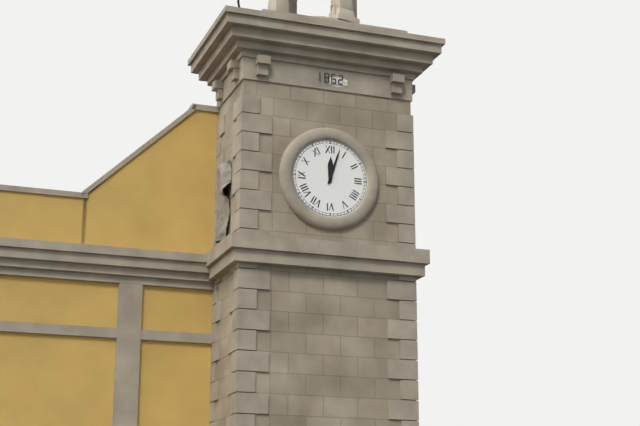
12,03
